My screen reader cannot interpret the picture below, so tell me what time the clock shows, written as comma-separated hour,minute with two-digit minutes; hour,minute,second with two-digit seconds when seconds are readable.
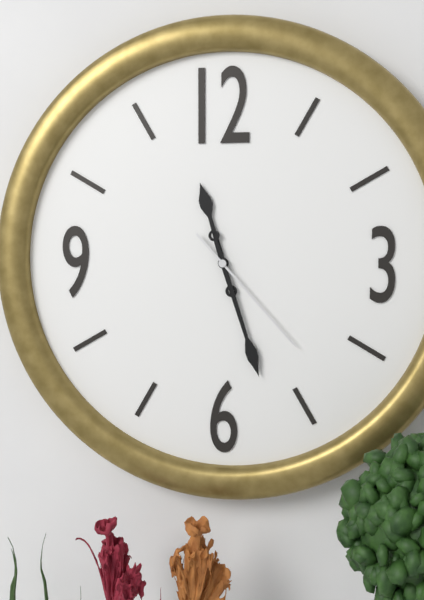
11,27,23
